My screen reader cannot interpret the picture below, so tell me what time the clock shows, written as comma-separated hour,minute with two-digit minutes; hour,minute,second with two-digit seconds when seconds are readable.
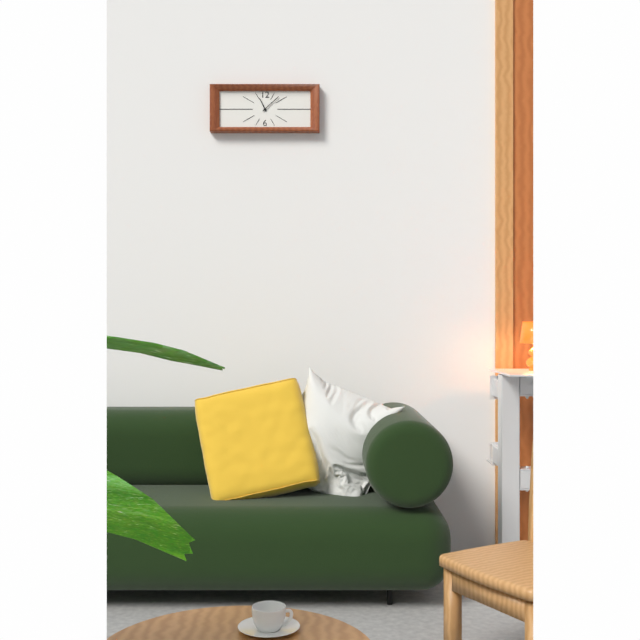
11,08
